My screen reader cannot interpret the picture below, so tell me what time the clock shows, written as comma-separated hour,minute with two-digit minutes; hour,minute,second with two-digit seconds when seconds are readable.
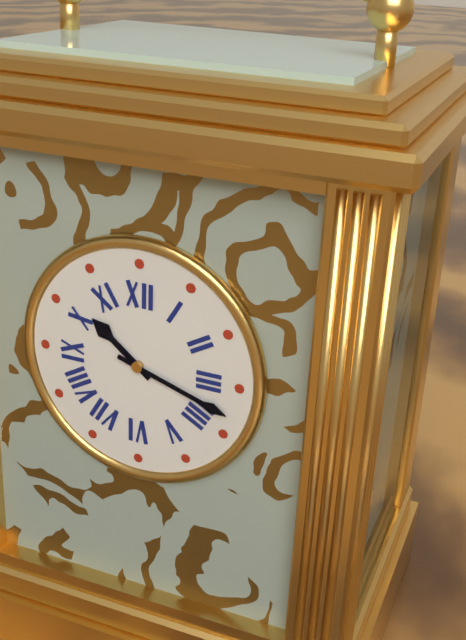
10,18
